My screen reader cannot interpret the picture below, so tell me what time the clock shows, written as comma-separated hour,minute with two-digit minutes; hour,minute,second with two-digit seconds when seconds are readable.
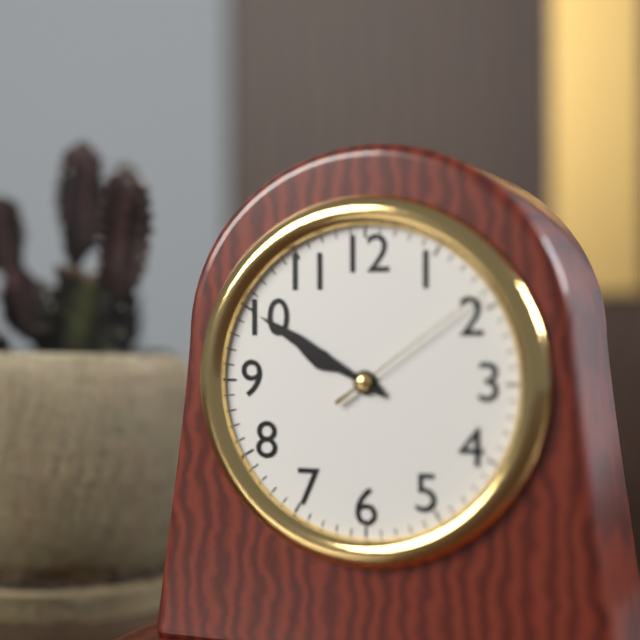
9,50,09
